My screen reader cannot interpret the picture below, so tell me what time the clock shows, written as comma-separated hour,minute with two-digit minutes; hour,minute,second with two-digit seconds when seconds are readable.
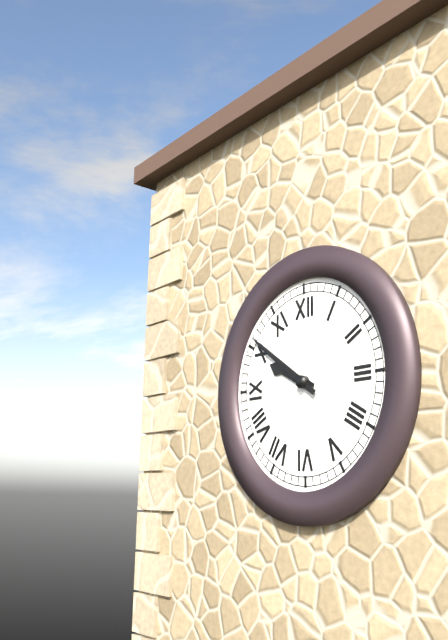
9,51
